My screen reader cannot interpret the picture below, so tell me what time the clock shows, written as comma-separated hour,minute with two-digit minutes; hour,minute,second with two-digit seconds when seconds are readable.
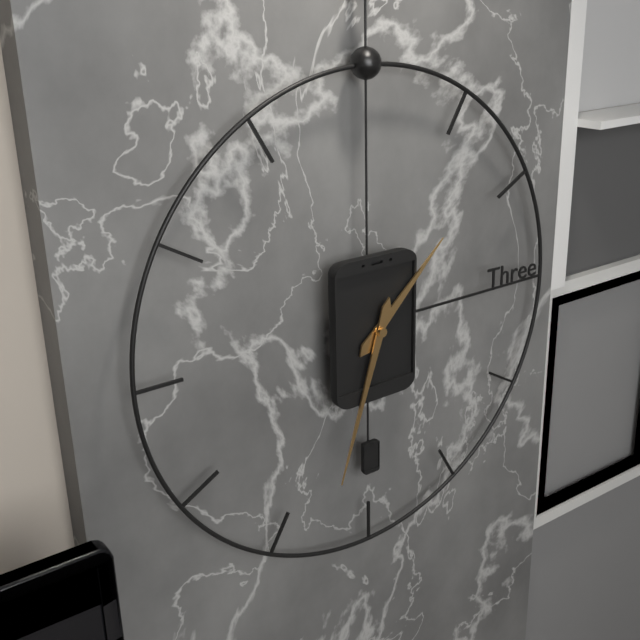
1,33
